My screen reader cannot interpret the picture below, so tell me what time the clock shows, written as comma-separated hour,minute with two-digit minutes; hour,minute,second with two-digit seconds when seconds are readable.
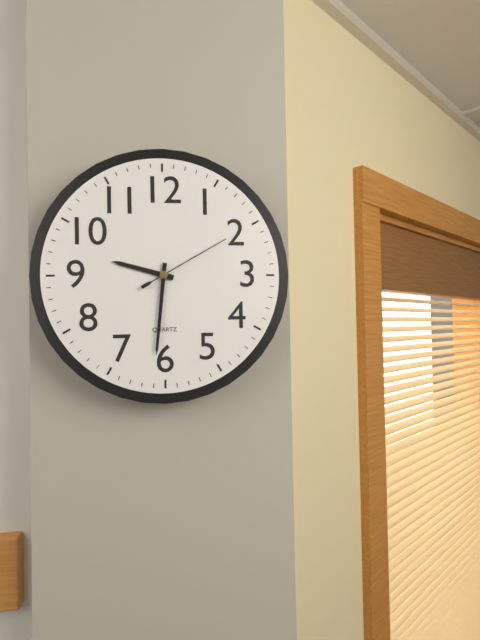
9,31,10
